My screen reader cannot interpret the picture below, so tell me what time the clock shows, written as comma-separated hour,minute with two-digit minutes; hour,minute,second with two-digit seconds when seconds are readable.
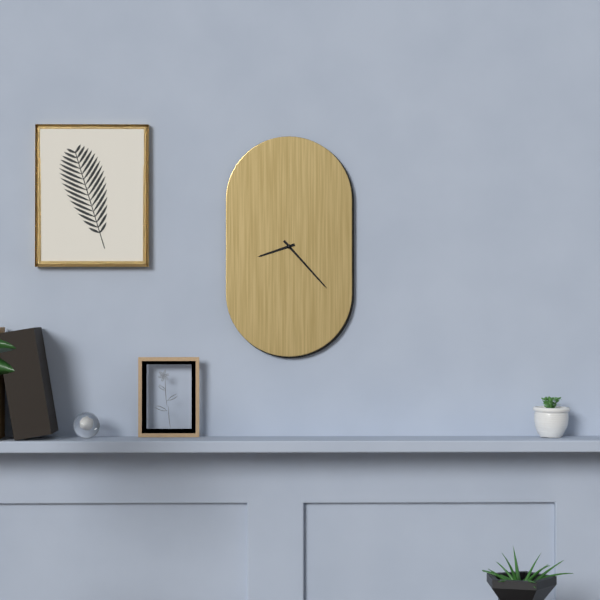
8,23
